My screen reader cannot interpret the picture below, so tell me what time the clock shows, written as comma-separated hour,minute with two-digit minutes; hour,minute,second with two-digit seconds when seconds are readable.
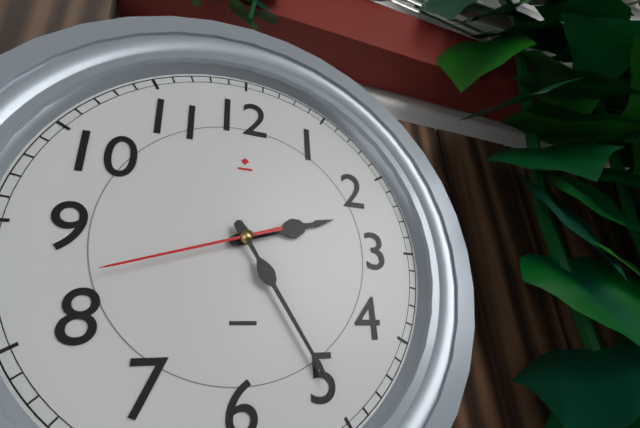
2,25,42
